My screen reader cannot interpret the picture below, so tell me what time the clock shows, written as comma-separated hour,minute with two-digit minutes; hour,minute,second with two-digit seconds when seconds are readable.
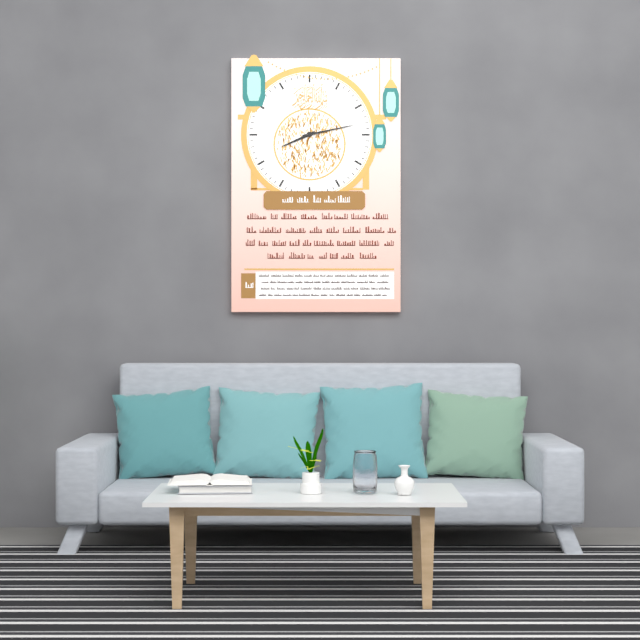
8,13
